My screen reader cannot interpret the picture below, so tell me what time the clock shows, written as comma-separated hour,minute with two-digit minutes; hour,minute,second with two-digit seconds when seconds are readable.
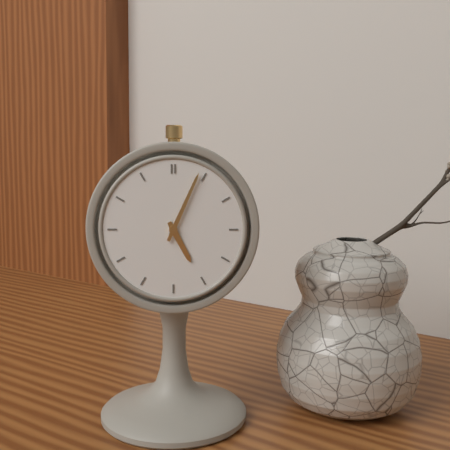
5,04
